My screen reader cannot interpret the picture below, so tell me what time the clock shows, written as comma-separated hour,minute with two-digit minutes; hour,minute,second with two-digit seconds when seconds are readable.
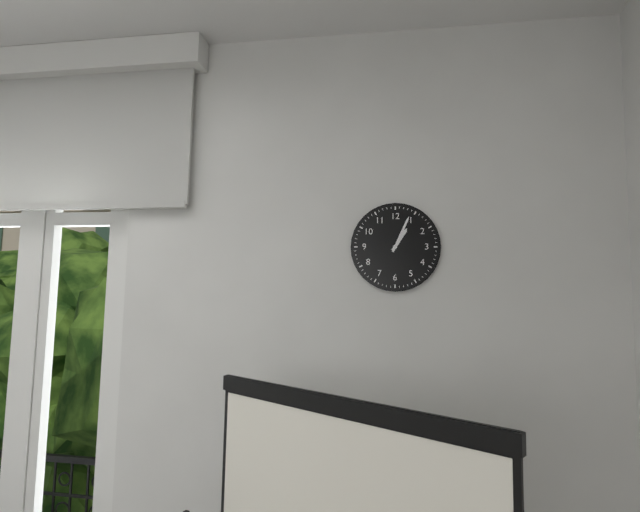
1,04
